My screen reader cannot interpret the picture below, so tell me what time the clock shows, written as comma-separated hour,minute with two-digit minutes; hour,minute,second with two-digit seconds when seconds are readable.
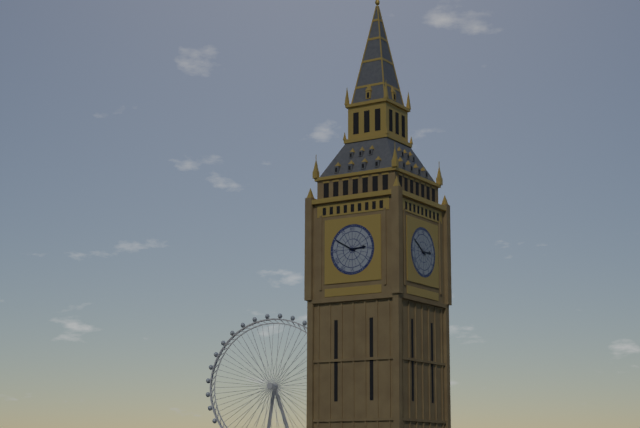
2,50
